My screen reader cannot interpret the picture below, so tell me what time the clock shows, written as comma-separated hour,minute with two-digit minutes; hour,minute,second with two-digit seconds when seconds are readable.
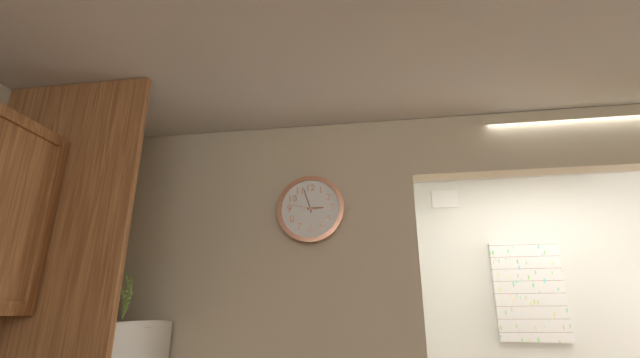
2,57
